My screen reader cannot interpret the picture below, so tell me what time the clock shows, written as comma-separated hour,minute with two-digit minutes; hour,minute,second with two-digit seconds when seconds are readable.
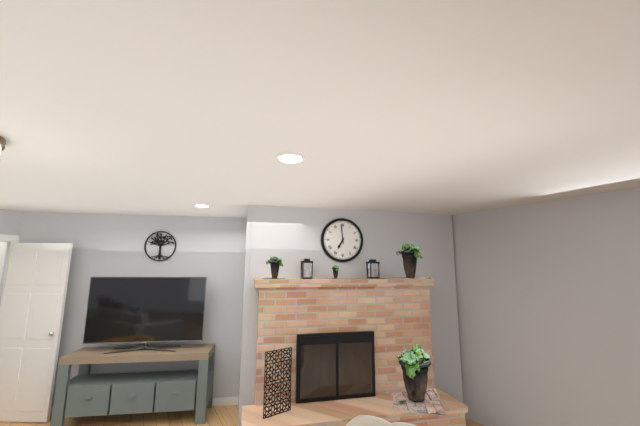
6,59
